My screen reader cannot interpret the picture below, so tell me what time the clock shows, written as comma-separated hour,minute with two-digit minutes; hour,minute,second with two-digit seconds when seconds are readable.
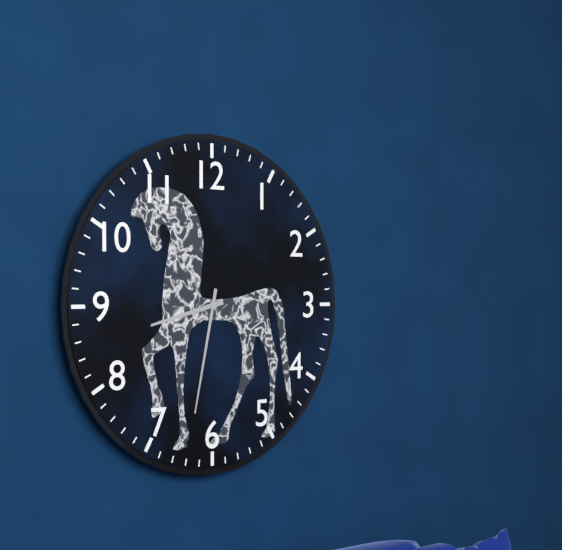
8,32
